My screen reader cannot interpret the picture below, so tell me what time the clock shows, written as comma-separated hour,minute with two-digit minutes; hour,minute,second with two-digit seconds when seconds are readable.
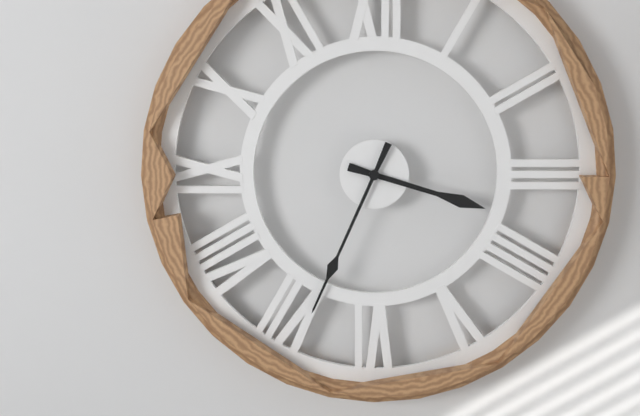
3,34
